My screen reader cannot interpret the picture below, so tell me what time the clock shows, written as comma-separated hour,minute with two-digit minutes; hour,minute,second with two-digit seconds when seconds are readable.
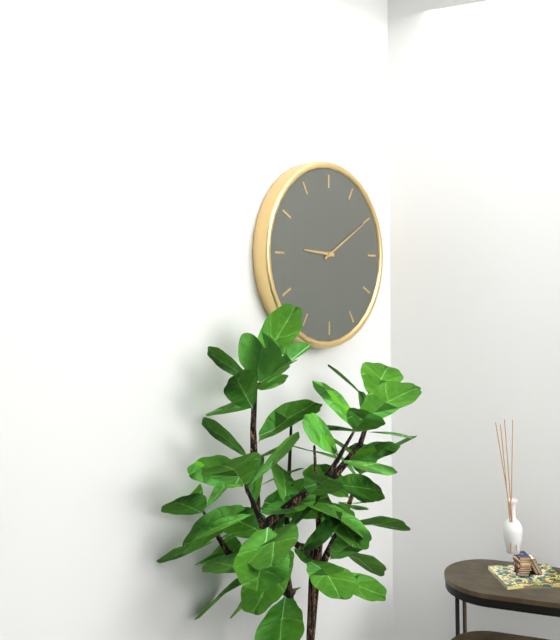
9,10
